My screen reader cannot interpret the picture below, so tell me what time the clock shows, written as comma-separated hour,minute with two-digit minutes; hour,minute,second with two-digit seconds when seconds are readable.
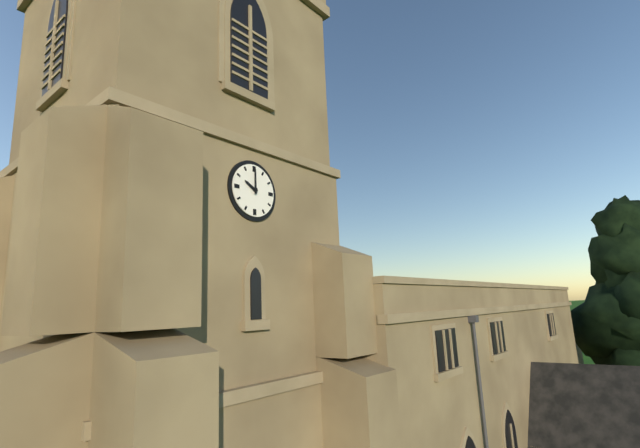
10,00
